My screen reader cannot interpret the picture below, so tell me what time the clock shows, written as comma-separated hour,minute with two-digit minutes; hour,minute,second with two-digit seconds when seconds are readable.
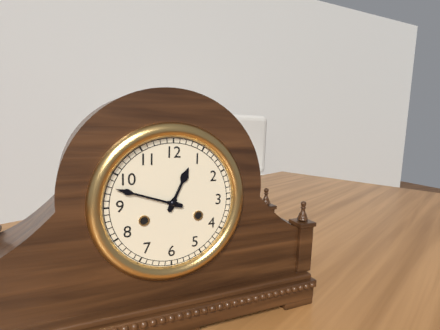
12,48
